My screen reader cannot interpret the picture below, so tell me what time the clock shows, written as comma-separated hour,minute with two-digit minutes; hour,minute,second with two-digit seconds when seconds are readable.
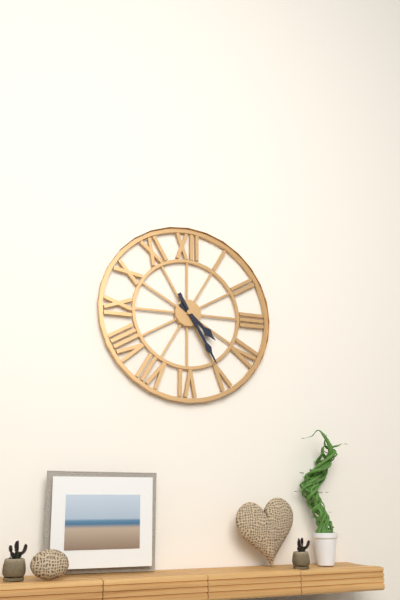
4,25
